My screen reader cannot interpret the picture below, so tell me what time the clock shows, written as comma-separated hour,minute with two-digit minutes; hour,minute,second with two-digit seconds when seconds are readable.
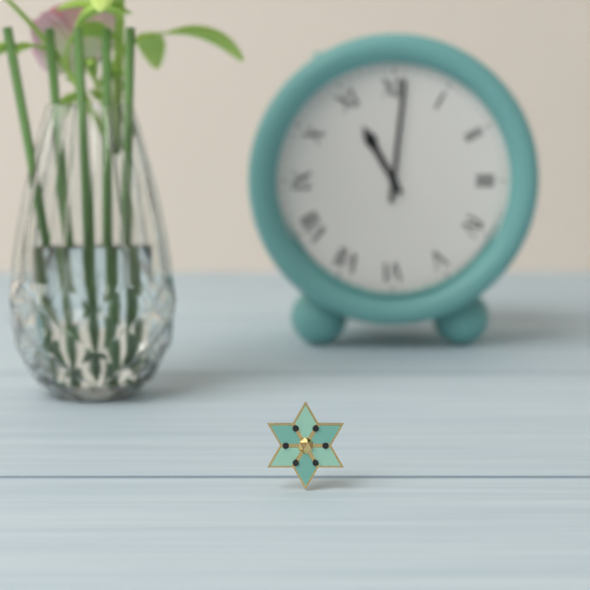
11,01
